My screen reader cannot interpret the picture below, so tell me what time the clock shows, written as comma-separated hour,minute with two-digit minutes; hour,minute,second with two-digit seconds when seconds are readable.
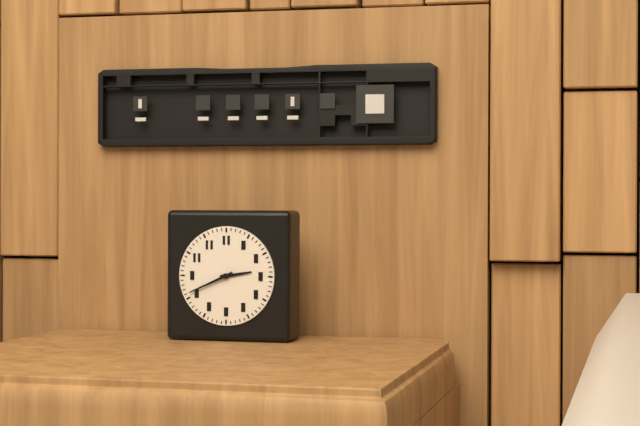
2,41
